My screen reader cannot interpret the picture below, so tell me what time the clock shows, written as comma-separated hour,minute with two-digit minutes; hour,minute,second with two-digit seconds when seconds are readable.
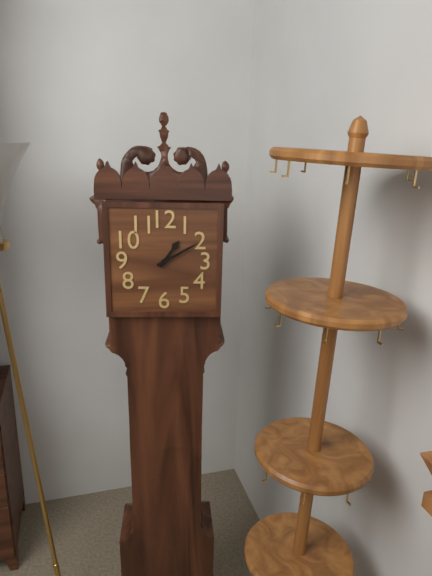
1,10
